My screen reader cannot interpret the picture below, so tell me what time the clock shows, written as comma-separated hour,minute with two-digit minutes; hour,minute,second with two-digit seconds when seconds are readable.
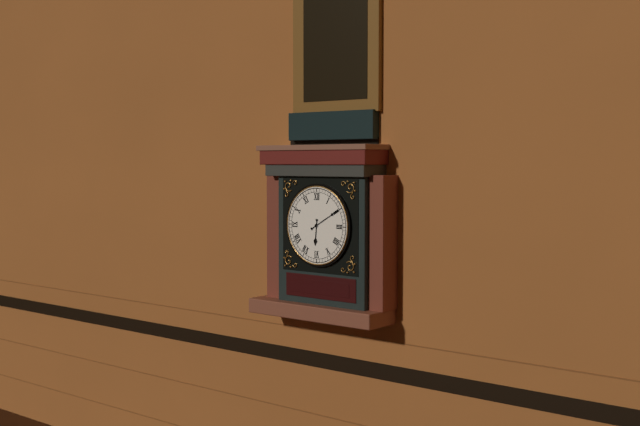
6,10
